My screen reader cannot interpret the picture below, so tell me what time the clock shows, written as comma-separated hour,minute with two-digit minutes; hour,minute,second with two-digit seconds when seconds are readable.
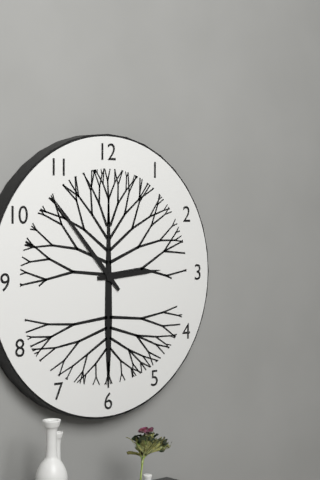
2,53
